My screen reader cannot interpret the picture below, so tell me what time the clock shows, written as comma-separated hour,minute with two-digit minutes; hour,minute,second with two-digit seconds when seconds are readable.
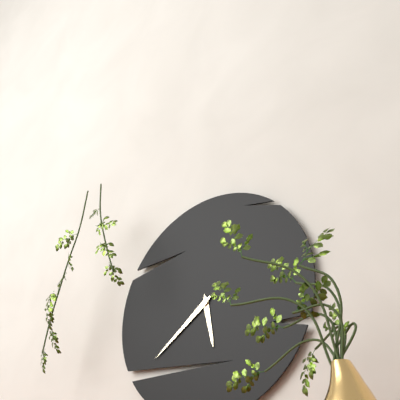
5,39
